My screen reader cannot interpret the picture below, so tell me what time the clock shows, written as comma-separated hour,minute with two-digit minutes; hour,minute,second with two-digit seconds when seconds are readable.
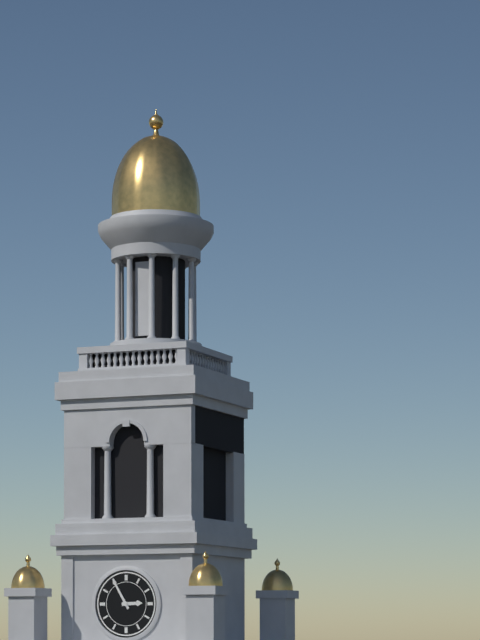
2,55
